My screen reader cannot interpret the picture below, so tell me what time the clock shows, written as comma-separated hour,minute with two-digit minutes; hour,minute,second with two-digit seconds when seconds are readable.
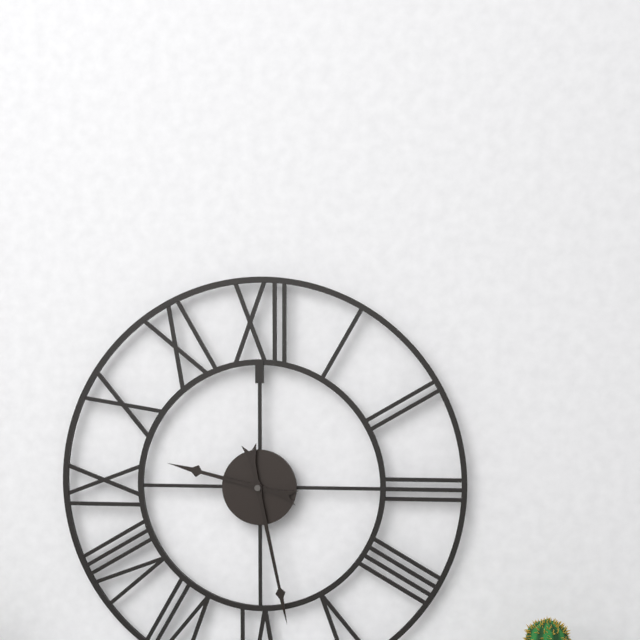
9,28
